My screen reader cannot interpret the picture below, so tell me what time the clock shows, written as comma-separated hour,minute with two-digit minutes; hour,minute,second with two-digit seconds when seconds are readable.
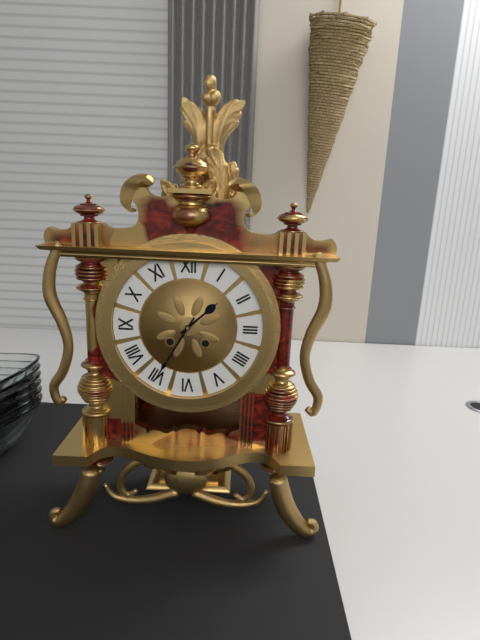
1,35
